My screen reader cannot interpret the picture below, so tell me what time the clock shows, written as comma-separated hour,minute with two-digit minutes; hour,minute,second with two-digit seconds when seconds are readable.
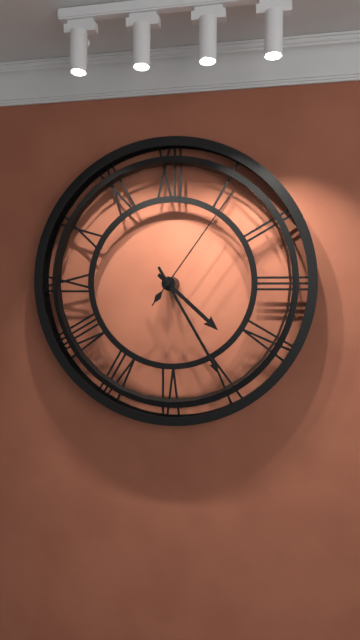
4,25,06
